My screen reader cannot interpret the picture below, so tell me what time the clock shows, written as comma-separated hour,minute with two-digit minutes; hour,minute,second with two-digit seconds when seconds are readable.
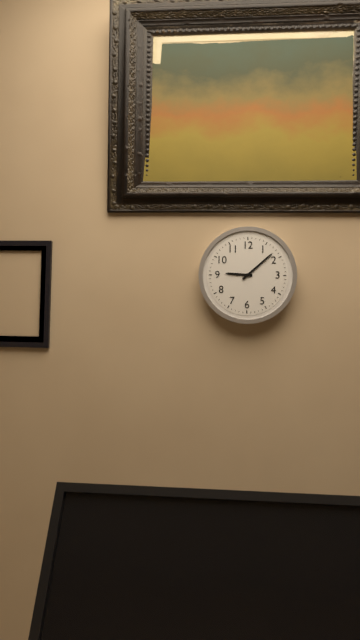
9,08
